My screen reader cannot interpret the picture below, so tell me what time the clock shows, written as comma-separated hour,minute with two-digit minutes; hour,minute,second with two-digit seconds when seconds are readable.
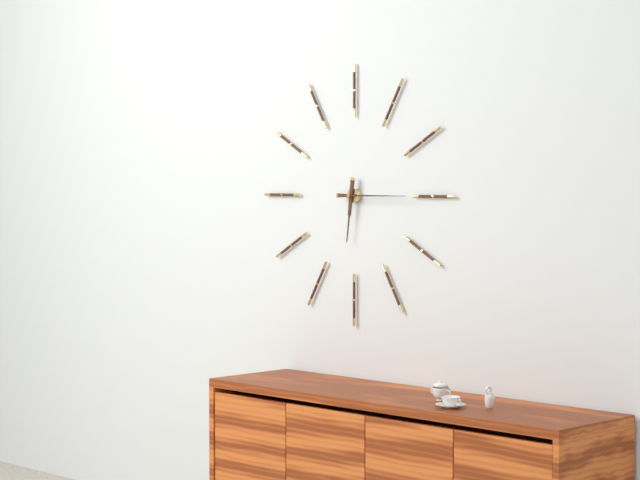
6,15
